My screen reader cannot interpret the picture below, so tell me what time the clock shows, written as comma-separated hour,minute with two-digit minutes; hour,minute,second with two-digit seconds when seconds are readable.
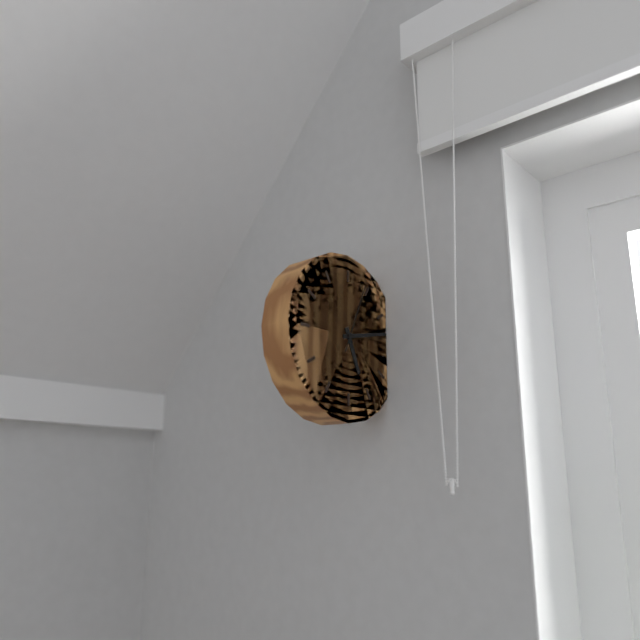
5,13,04
